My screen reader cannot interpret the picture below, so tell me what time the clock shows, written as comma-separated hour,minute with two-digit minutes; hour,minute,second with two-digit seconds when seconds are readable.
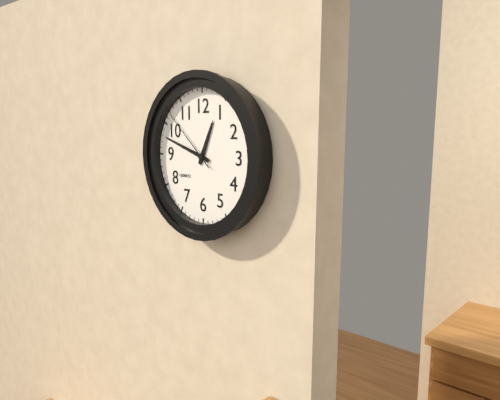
12,48,52
